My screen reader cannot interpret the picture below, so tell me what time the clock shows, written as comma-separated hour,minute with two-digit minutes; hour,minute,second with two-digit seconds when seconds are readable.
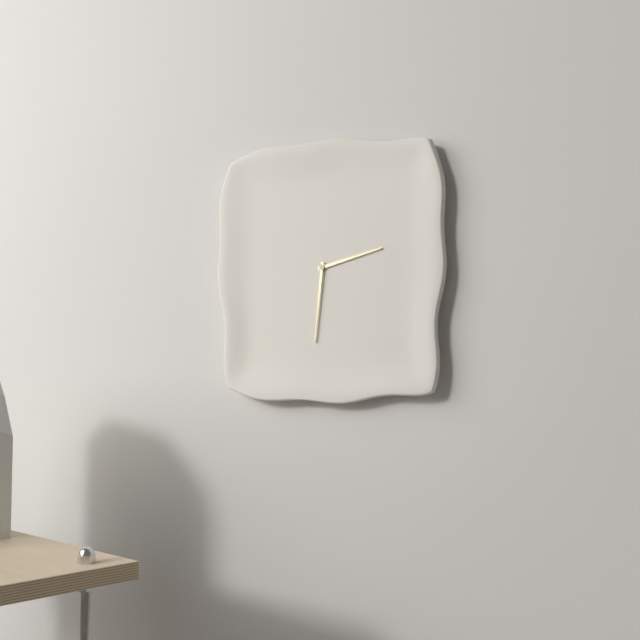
2,31
